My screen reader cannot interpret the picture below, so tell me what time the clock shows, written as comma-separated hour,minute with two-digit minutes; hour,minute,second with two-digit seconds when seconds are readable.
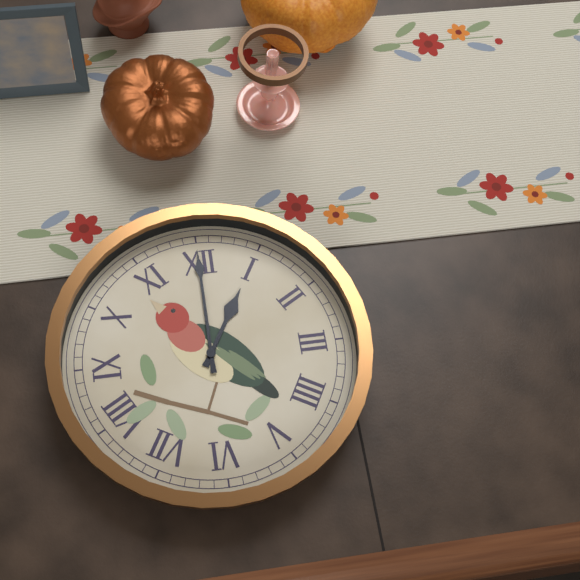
1,00
